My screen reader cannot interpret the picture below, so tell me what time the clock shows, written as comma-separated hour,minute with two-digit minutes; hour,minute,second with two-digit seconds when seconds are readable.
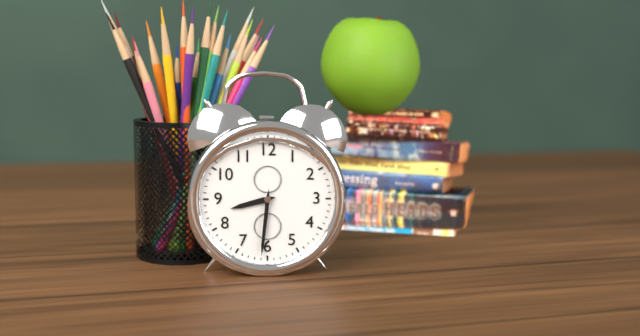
8,31
